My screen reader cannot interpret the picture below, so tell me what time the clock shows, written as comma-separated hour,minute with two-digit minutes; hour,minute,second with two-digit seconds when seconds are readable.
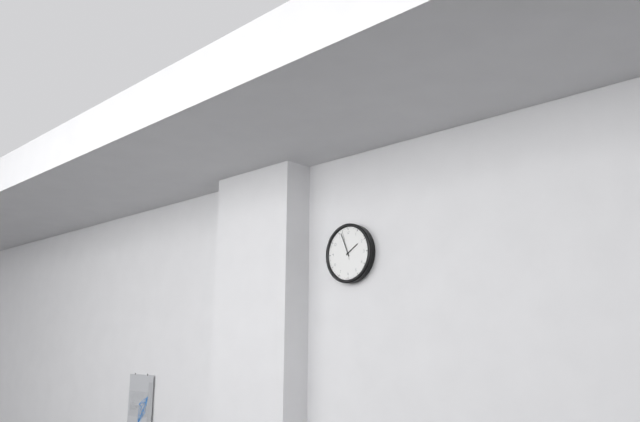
1,56
